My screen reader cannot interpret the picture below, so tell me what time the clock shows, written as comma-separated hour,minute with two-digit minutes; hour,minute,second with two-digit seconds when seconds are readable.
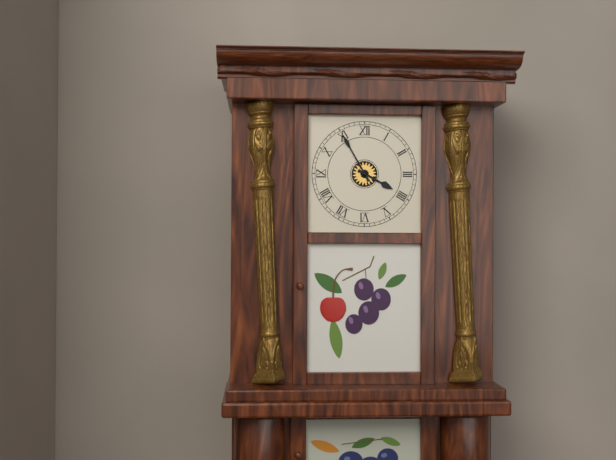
3,55
